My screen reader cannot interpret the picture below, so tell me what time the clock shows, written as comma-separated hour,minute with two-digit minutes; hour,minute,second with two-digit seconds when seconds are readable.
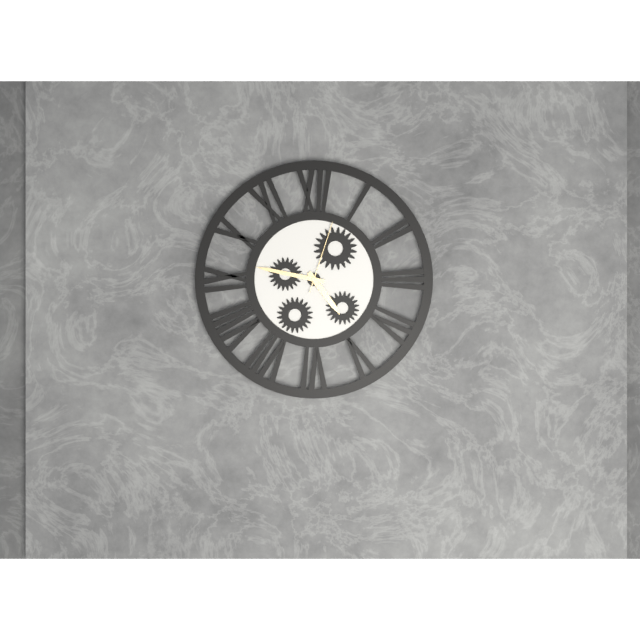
4,47,03
